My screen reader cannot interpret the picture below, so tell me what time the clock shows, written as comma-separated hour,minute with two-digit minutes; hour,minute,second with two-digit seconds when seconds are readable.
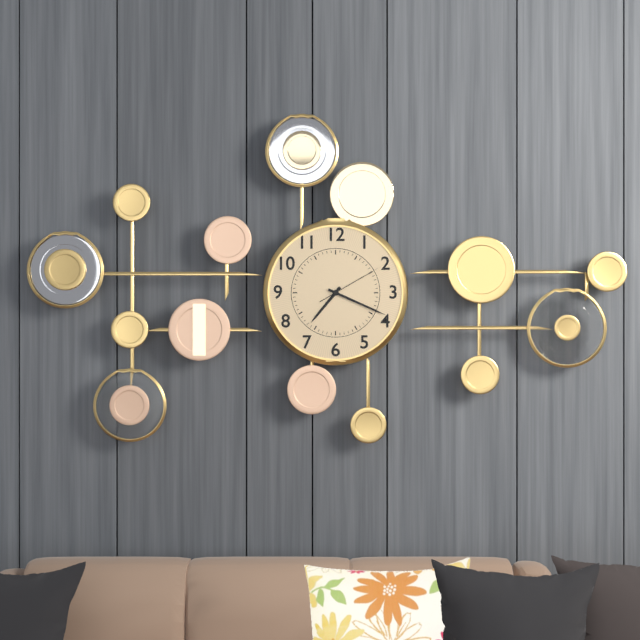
7,19,10
